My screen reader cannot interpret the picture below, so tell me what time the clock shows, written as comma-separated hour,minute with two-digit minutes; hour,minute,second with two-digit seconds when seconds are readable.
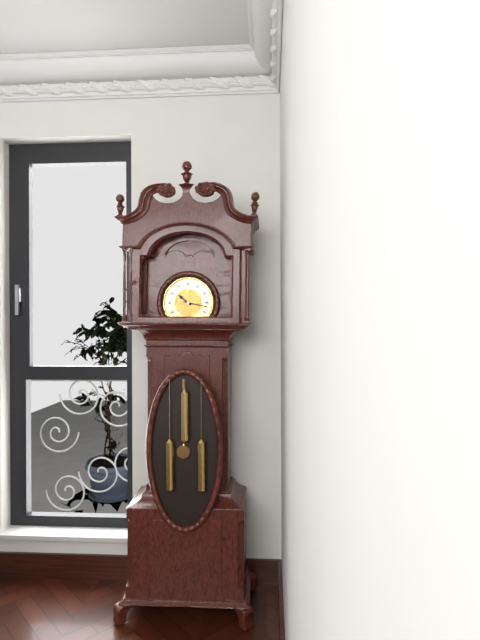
10,17
